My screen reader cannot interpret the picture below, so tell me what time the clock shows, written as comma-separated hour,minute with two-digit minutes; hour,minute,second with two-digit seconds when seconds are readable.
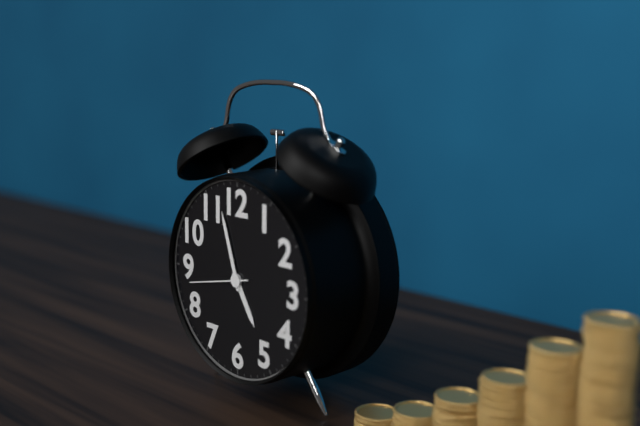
4,57,43
